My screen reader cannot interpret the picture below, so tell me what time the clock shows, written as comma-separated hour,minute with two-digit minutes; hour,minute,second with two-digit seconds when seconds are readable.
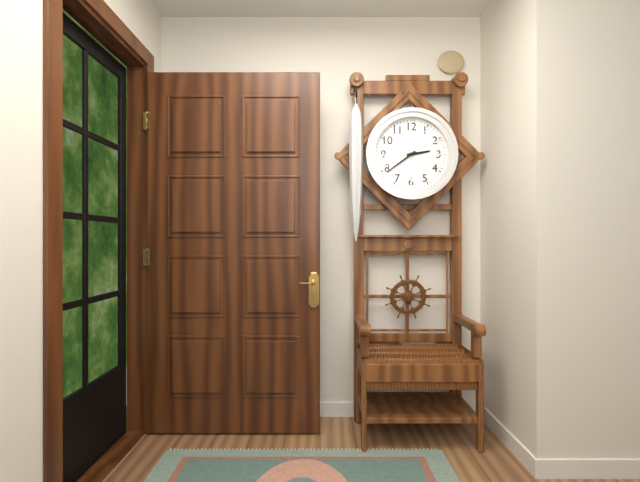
2,39
